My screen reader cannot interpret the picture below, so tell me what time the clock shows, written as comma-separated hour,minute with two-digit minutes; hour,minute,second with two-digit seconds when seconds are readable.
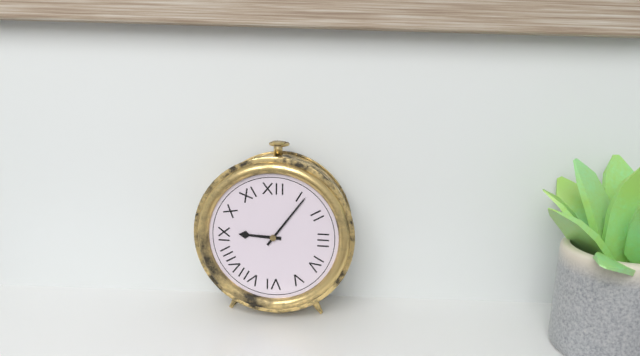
9,06
